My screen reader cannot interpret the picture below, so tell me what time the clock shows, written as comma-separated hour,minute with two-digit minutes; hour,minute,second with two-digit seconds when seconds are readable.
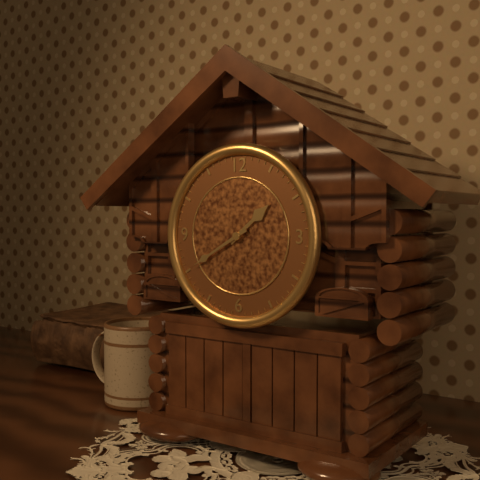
1,40
